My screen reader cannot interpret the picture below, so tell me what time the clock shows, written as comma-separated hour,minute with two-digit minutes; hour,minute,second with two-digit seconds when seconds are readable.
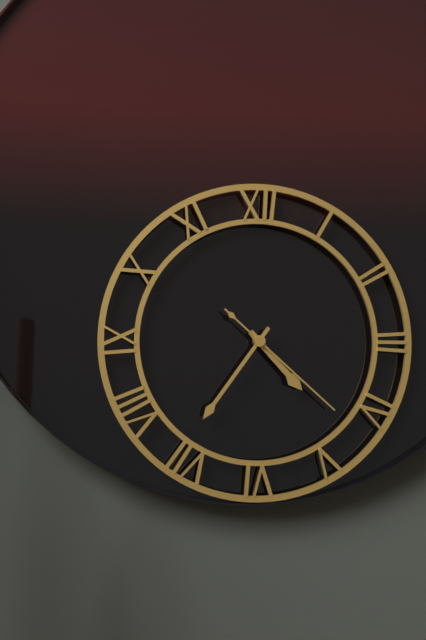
4,36,22
